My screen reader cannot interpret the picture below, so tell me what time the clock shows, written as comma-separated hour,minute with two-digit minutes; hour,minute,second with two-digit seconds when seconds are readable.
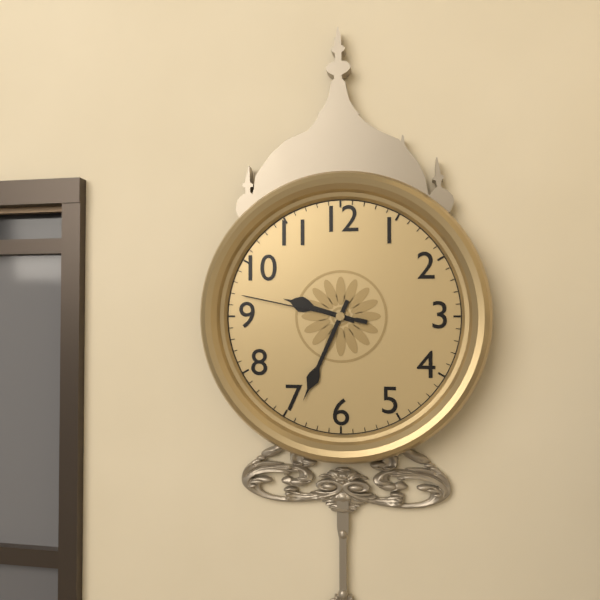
9,34,47
